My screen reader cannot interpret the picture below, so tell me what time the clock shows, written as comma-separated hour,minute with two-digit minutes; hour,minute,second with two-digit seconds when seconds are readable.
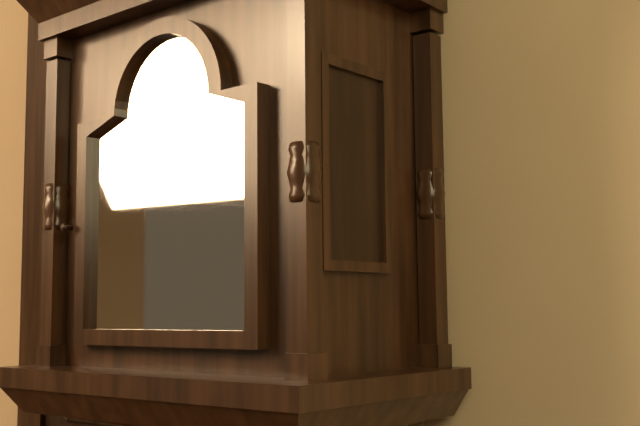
2,14
